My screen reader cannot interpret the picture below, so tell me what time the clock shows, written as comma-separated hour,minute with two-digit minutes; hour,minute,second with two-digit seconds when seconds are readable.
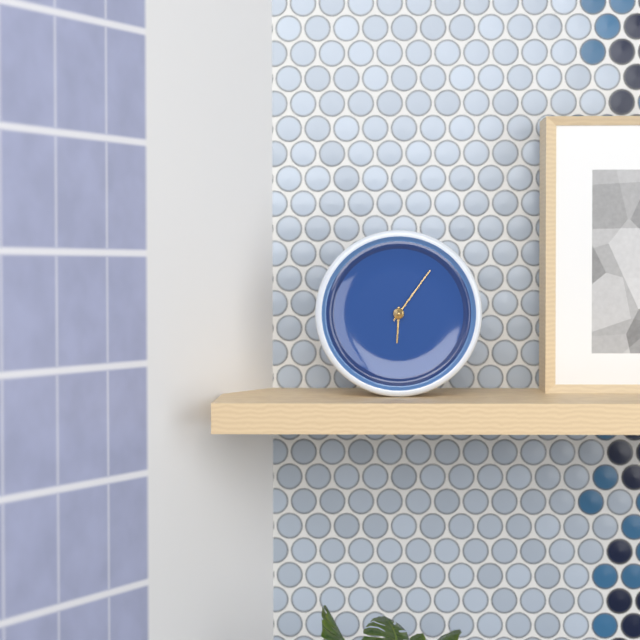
6,06
